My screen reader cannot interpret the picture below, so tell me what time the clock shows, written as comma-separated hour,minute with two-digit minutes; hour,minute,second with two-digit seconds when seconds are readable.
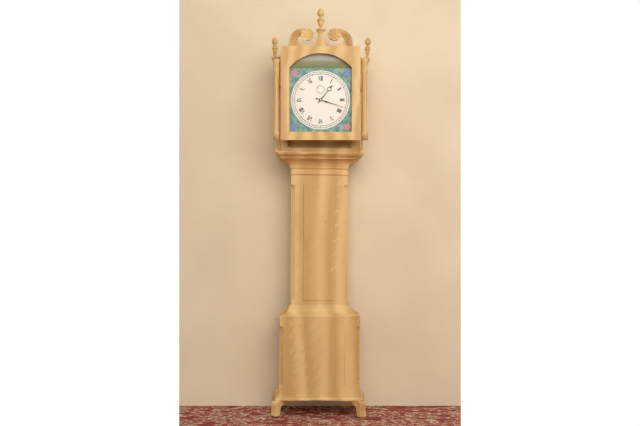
1,18
